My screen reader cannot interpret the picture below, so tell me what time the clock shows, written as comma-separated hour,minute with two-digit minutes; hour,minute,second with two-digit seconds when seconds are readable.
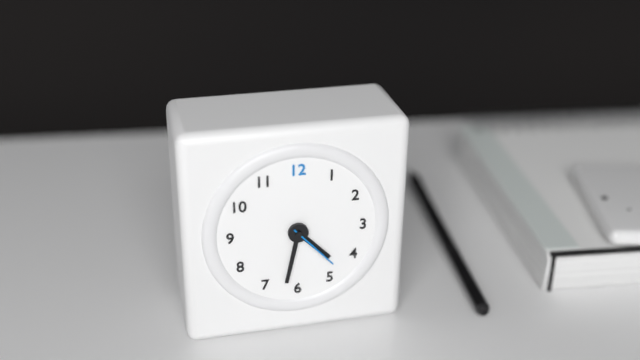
4,32,23
